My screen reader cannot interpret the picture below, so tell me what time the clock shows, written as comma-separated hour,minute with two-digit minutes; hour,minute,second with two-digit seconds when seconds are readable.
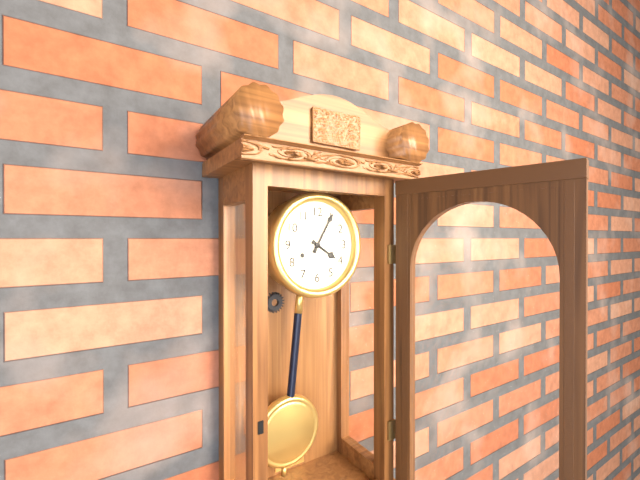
4,05
